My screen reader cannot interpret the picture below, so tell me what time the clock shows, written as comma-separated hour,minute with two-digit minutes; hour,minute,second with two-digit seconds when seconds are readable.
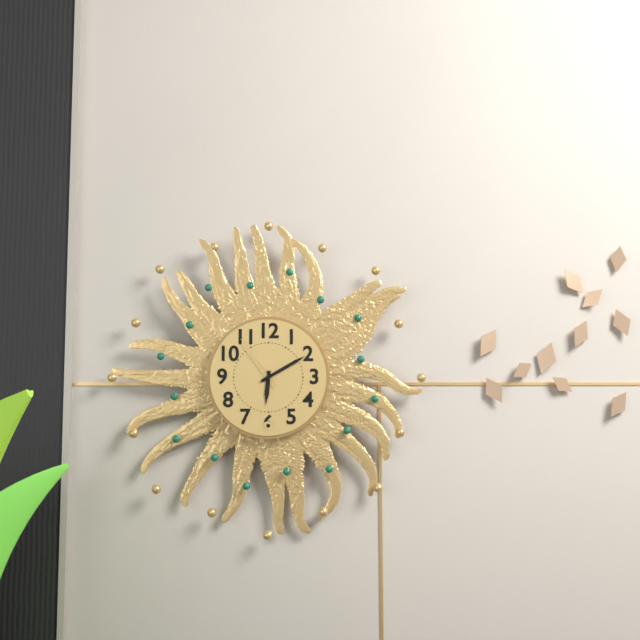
6,10,54
